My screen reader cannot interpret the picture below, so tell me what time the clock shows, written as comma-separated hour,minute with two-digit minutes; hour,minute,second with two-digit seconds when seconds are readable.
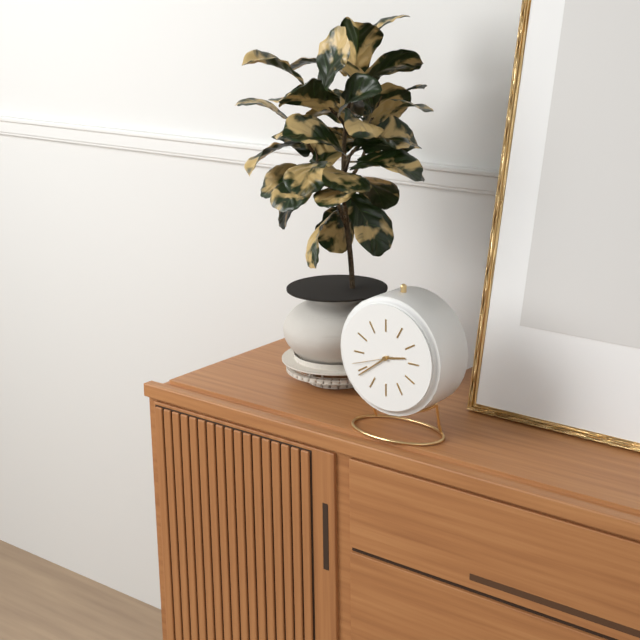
2,39
